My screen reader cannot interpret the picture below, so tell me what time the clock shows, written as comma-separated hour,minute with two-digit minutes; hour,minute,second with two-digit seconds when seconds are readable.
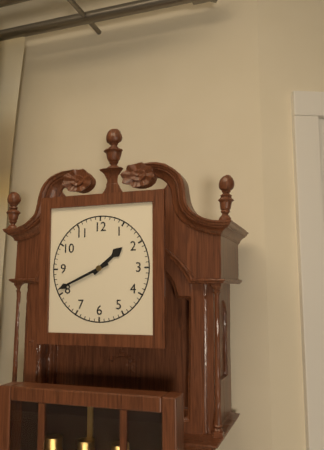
1,41
